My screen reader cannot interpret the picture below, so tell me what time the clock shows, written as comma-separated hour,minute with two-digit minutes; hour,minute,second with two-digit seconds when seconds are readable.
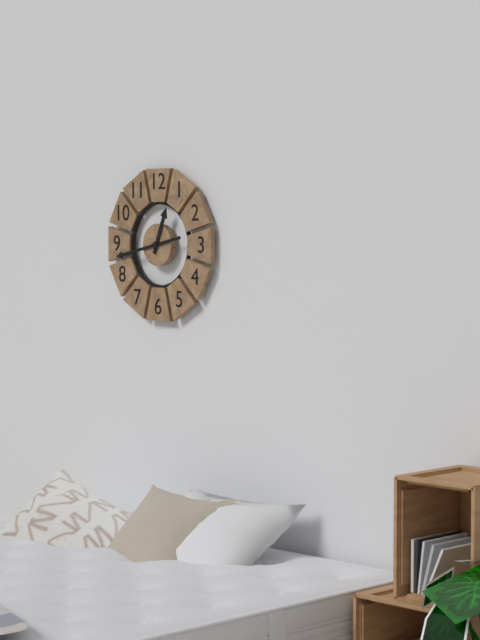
12,43
